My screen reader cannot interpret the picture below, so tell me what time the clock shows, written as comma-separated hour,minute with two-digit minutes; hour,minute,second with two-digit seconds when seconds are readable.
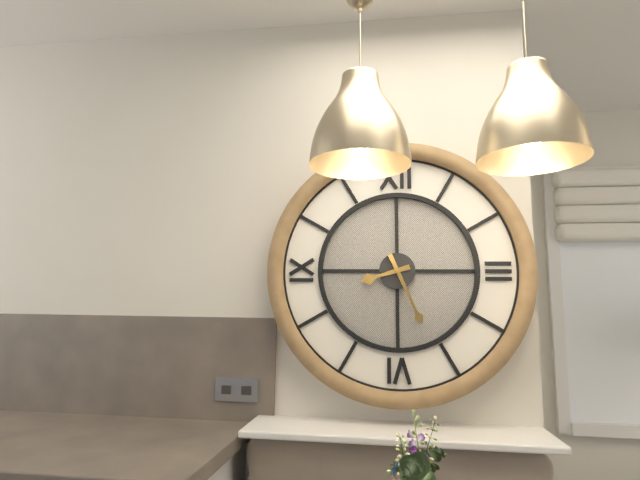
8,26
